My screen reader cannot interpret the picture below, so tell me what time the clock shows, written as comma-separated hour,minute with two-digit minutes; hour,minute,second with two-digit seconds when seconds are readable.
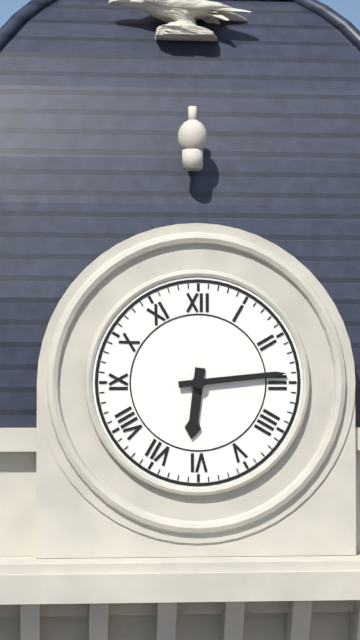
6,14
